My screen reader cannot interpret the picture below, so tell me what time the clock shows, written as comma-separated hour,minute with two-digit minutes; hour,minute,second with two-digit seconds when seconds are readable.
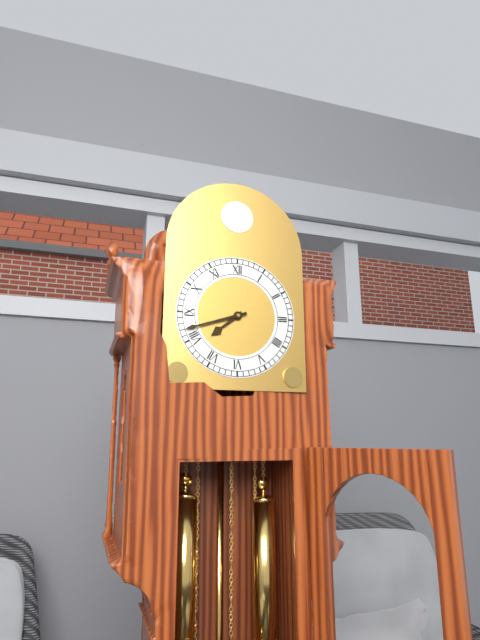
7,42
